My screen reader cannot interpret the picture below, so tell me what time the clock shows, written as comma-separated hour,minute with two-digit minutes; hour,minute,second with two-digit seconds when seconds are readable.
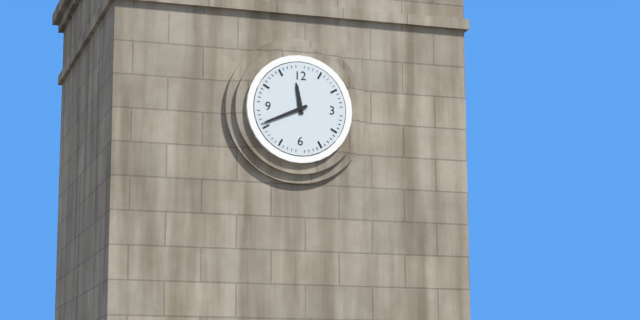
11,41
